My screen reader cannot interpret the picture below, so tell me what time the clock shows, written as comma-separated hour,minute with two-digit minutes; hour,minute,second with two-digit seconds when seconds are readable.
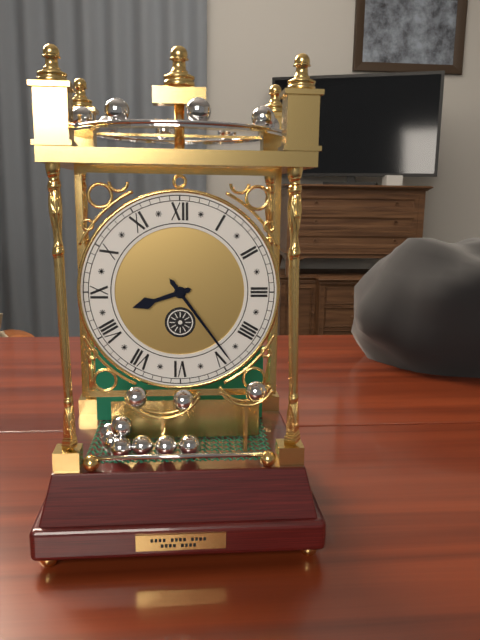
8,24
